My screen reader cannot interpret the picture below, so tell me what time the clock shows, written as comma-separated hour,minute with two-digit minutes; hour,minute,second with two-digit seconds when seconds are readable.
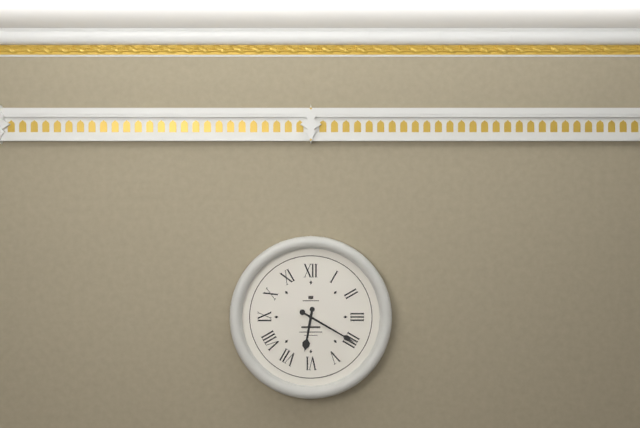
6,20
